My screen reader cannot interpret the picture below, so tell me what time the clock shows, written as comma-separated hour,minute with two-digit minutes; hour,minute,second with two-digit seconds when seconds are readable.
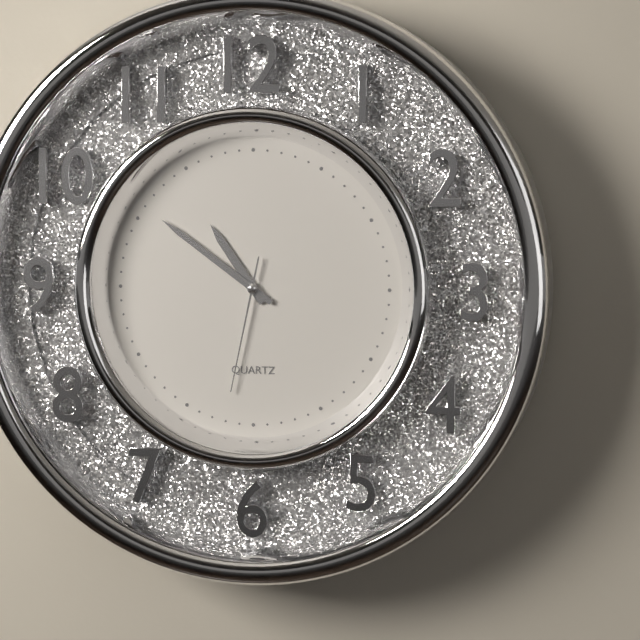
10,51,32
